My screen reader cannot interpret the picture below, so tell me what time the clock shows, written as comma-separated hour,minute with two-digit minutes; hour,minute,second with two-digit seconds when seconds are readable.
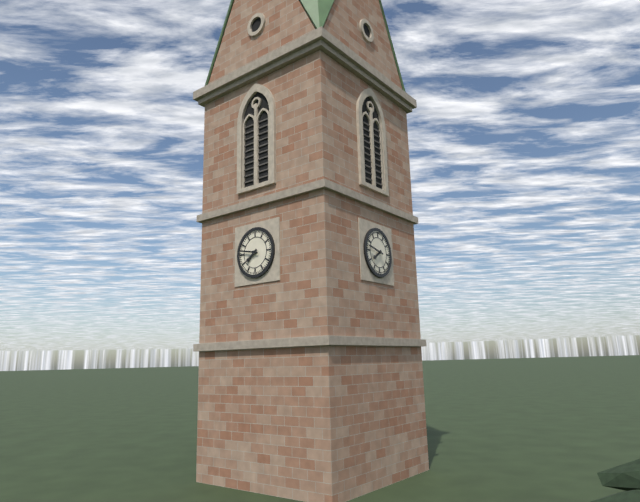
7,47
